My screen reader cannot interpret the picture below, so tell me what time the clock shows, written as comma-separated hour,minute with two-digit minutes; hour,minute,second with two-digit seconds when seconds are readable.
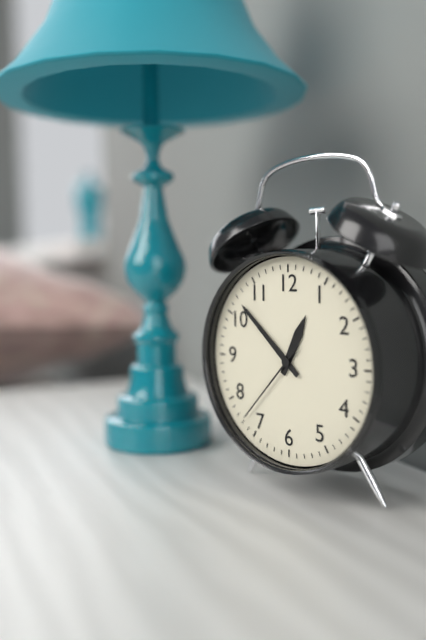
12,52,37
